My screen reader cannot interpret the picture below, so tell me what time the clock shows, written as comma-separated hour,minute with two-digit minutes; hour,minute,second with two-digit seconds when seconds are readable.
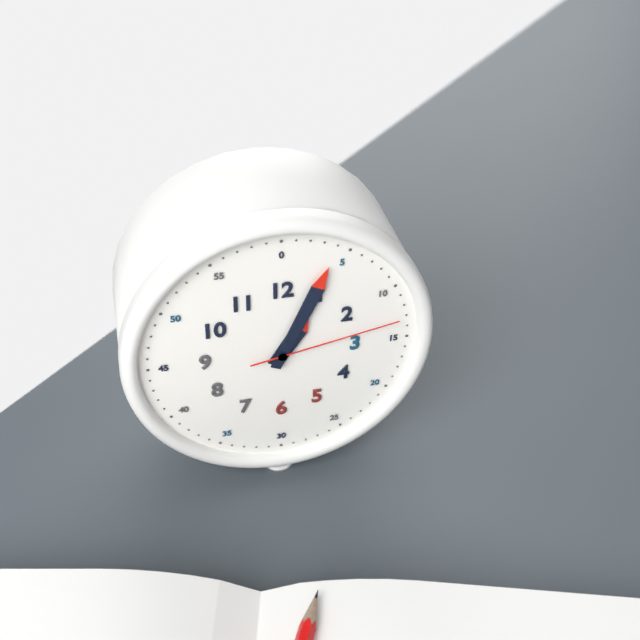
1,04,13
